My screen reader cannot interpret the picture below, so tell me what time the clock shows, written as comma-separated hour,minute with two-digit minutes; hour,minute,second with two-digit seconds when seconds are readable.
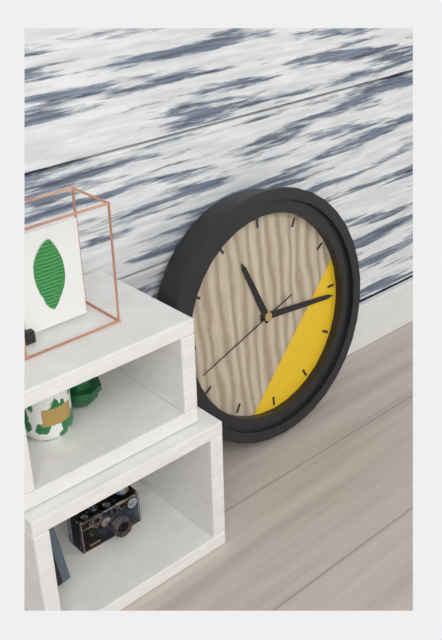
11,16,42
